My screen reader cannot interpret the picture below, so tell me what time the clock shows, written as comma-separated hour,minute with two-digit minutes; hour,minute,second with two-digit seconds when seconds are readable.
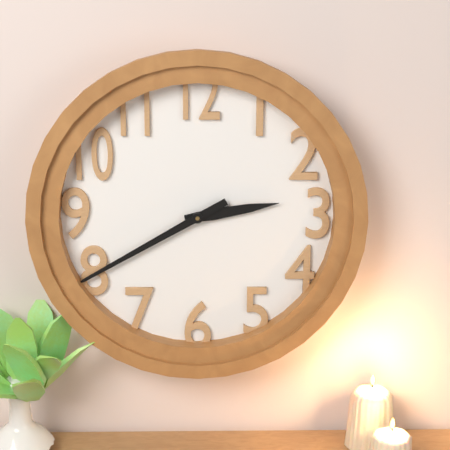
2,40
